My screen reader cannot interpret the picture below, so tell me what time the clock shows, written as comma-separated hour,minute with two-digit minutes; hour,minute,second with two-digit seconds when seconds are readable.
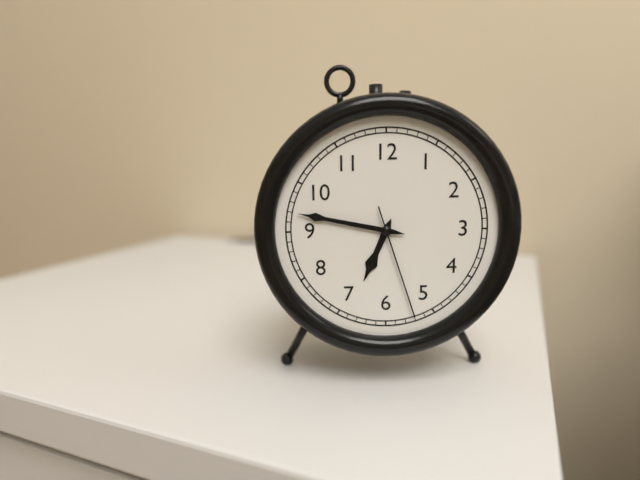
6,47,27
